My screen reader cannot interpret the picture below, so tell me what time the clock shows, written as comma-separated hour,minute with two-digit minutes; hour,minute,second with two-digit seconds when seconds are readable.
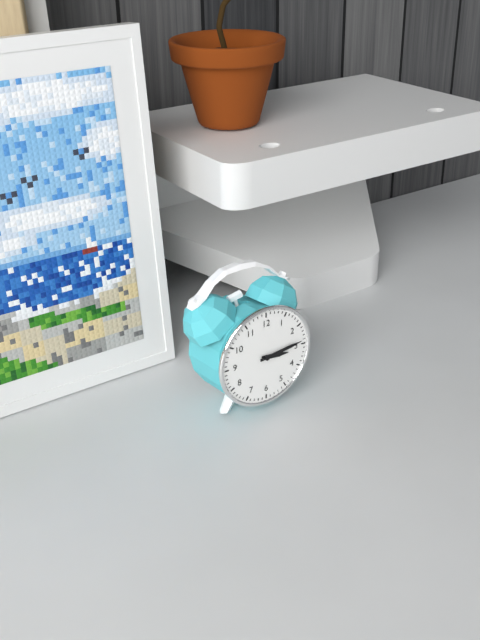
3,14
